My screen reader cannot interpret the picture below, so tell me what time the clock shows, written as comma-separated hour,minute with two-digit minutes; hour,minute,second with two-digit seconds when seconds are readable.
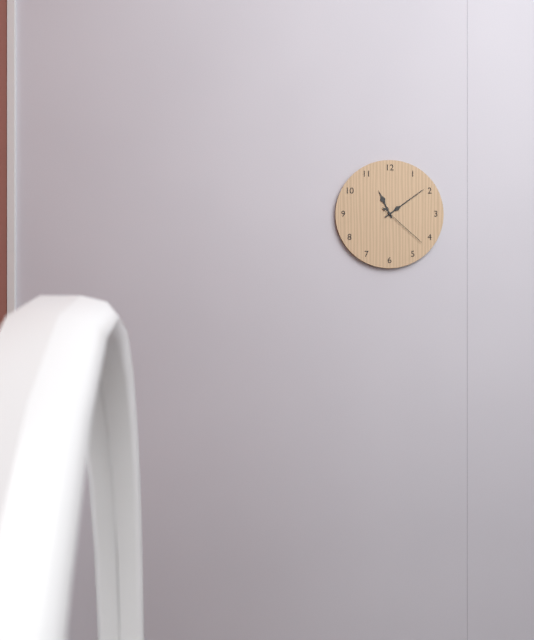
11,09,22
